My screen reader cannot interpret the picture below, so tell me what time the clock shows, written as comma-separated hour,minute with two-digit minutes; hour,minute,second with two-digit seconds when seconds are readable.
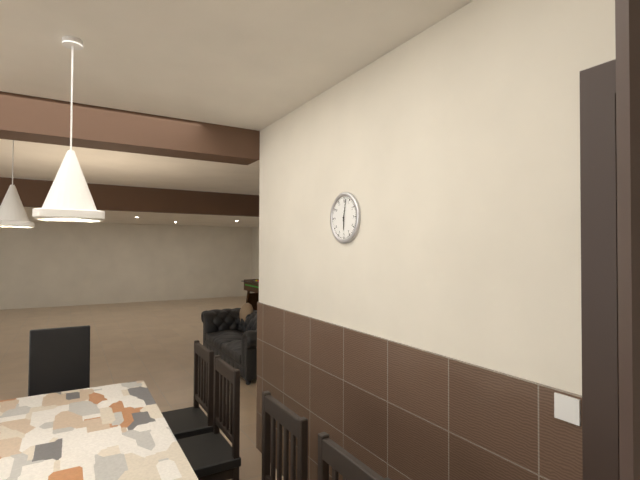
6,02
